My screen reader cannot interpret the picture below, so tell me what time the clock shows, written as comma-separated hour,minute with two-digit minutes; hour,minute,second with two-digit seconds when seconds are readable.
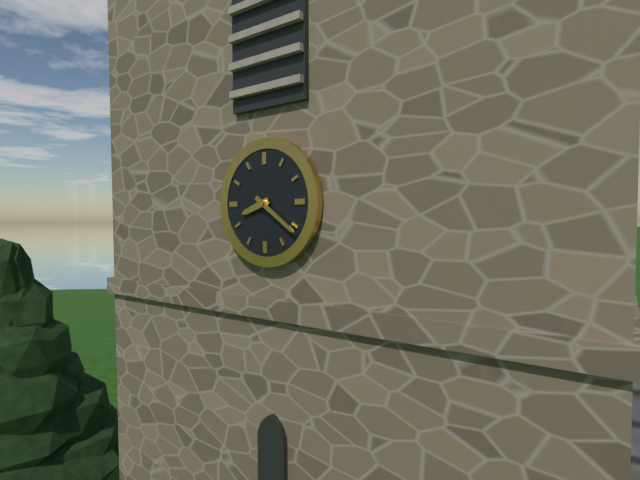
8,21
